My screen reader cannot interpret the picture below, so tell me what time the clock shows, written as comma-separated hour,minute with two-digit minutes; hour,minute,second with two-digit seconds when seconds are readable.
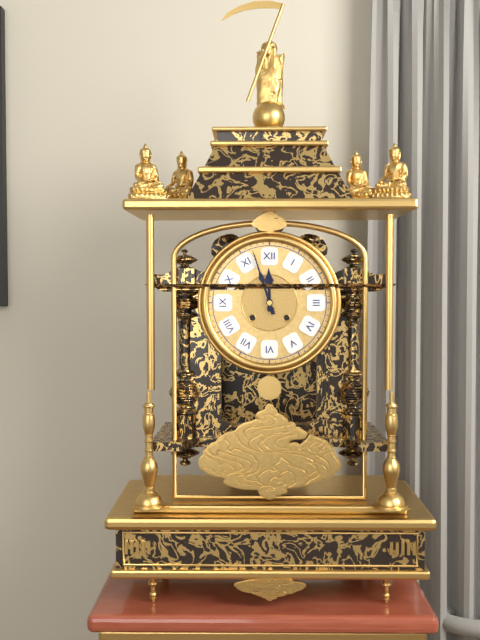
11,57
